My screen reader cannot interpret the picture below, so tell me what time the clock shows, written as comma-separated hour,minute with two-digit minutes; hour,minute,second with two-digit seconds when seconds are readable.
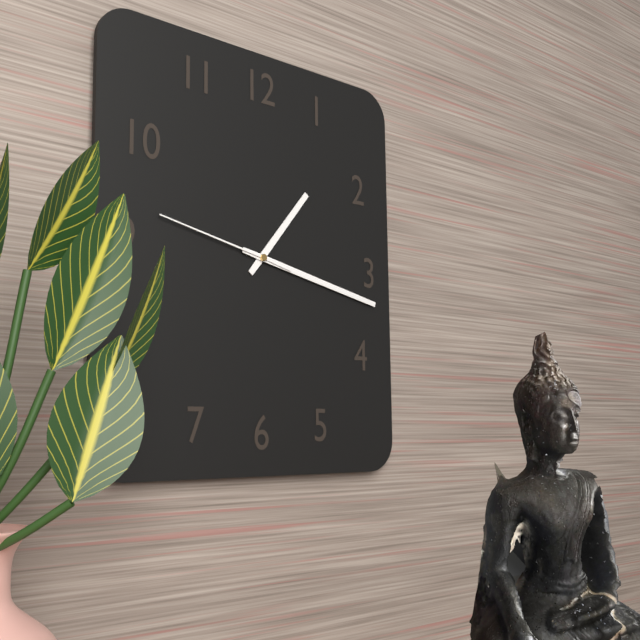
1,17,47
